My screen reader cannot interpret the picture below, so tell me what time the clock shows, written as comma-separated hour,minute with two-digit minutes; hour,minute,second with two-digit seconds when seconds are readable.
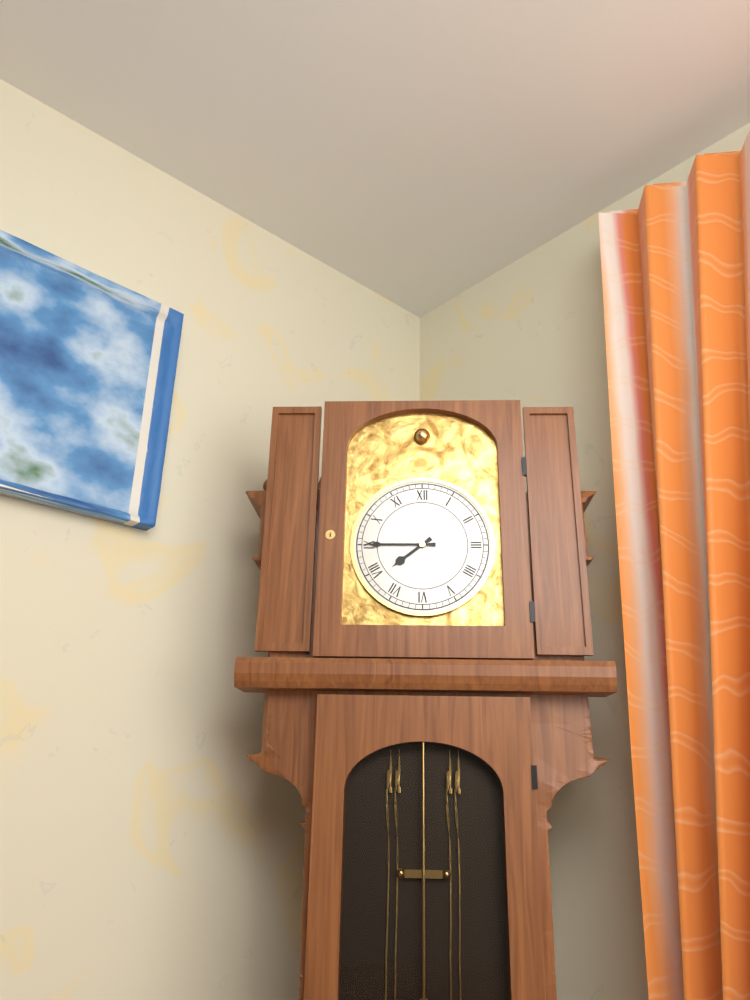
7,45
